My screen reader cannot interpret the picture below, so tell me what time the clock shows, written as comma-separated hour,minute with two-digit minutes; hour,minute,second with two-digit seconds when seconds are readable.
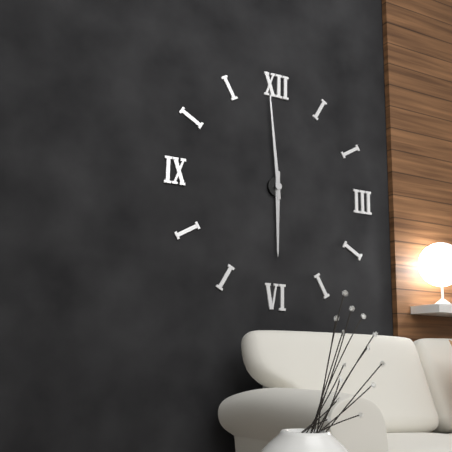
5,59
